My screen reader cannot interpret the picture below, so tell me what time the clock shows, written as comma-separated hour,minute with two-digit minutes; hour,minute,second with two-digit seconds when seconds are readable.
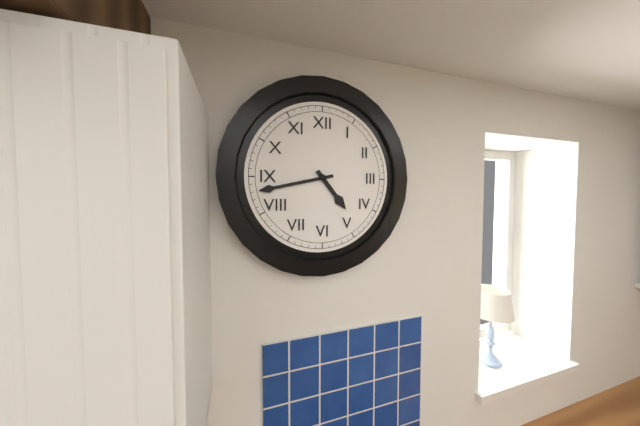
4,43
